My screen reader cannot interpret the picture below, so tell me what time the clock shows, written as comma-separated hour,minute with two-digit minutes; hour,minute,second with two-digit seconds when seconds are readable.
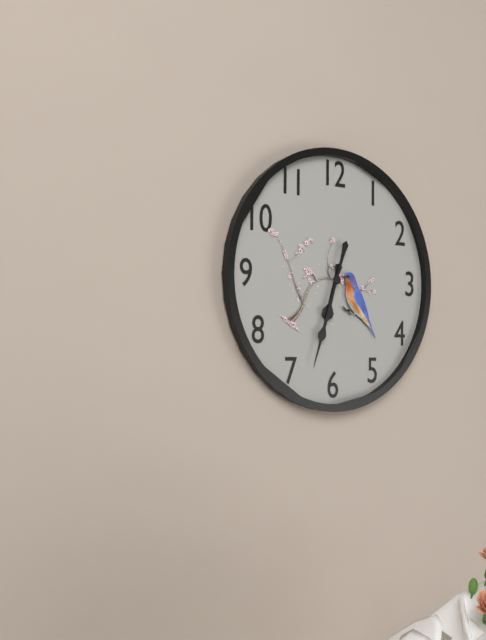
6,33
